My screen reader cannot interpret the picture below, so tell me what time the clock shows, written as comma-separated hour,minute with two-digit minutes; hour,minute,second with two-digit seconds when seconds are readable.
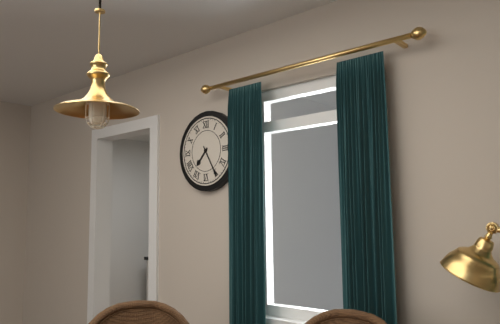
7,25
